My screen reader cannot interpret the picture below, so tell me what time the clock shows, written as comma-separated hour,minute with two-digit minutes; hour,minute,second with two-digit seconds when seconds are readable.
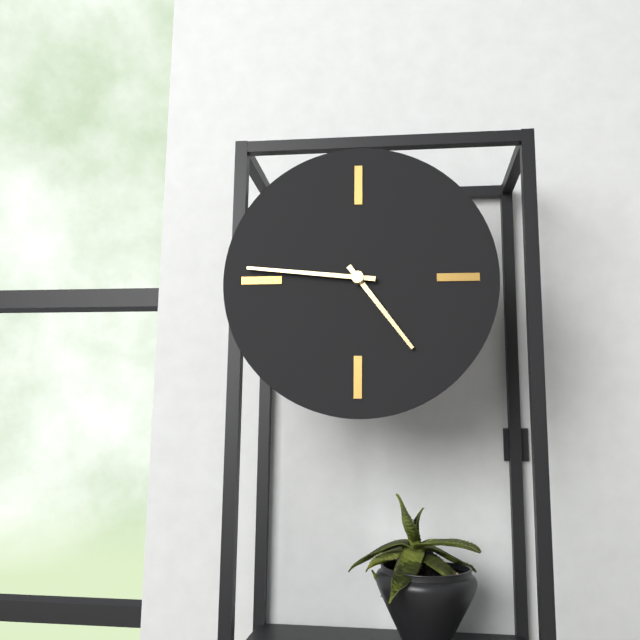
4,46
